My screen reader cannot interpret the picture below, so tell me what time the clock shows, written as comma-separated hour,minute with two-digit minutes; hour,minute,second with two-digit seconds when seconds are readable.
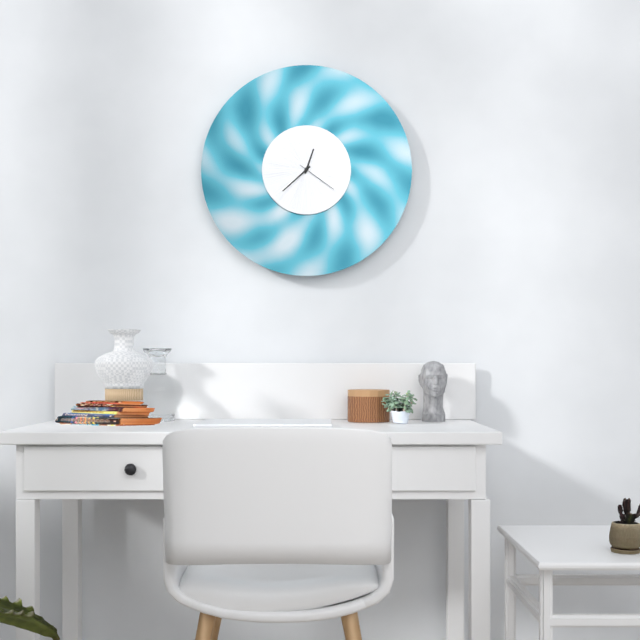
12,38
